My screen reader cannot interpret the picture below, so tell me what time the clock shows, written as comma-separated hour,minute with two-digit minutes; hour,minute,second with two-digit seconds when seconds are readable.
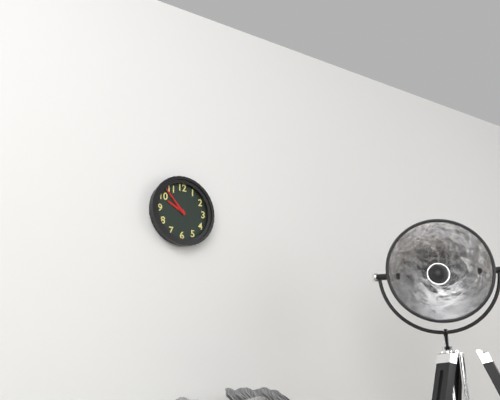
9,53
